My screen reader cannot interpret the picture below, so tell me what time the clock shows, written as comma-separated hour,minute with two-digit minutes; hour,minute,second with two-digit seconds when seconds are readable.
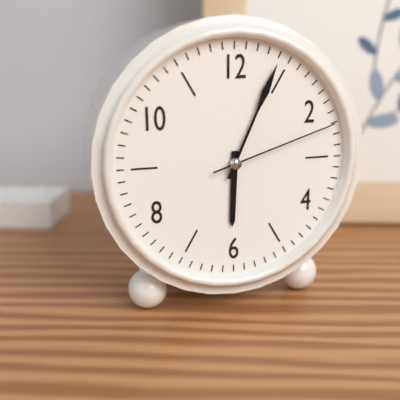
6,04,12
